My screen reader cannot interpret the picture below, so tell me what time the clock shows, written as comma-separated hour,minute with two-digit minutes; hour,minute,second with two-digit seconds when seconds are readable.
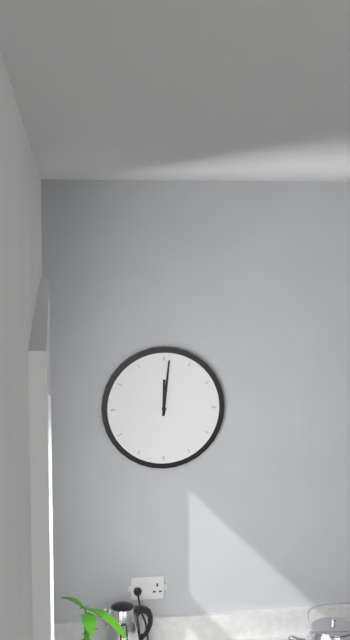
12,01
